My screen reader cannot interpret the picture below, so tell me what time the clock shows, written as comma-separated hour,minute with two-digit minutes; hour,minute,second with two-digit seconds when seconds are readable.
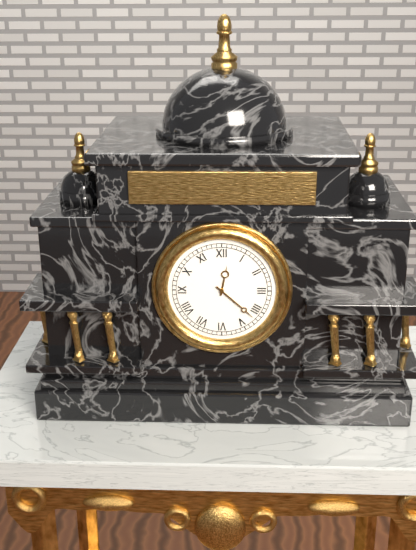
12,22
